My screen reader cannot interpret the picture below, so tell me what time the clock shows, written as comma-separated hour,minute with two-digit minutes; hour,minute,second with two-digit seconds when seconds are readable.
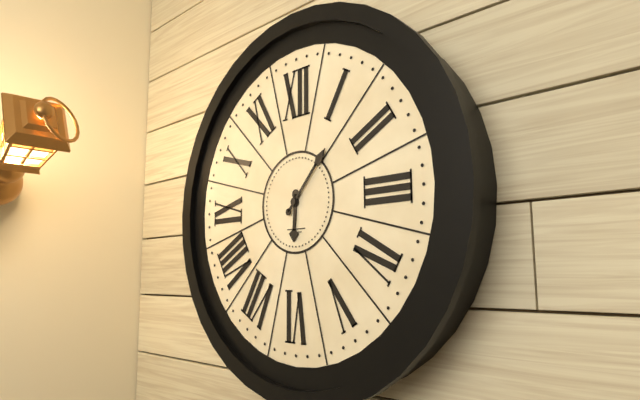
6,07
